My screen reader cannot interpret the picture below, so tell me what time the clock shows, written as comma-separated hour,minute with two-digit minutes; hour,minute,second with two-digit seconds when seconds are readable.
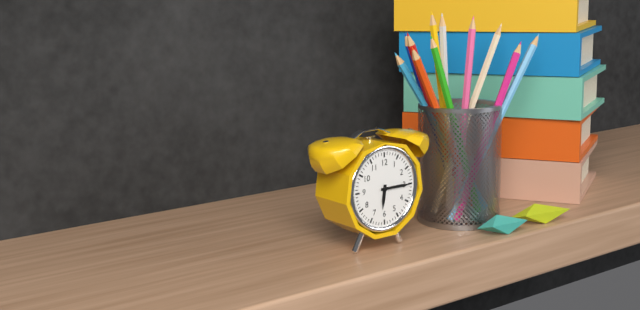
6,15
